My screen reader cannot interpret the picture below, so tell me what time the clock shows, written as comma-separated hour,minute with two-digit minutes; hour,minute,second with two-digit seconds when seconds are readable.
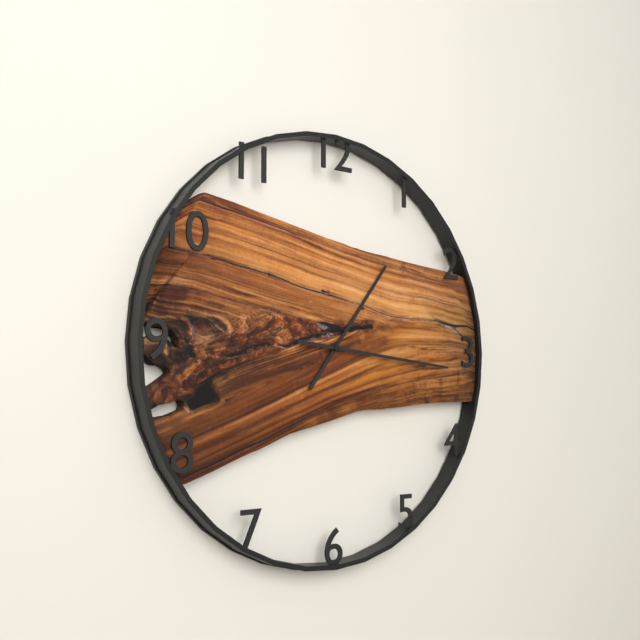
1,16
